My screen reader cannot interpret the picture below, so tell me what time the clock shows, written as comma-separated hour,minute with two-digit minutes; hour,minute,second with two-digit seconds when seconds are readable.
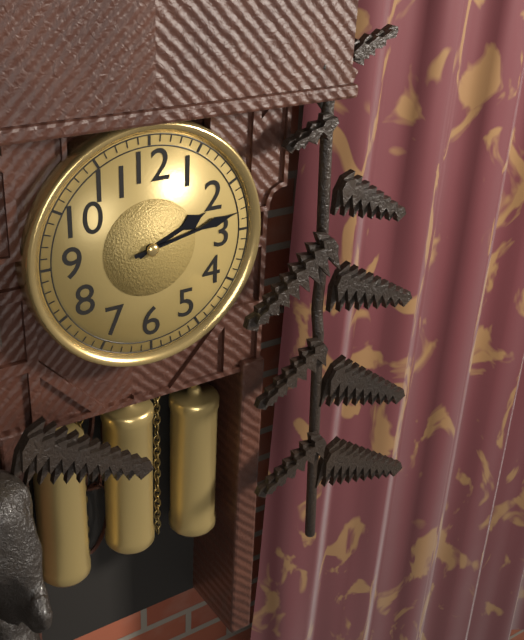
2,13
